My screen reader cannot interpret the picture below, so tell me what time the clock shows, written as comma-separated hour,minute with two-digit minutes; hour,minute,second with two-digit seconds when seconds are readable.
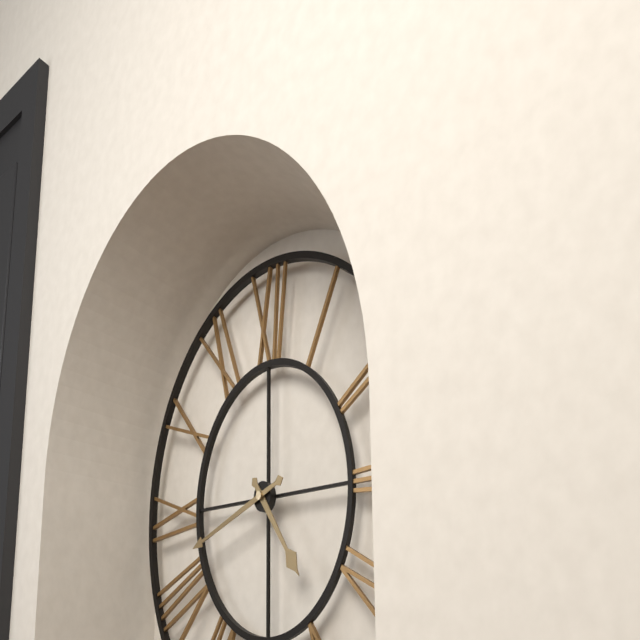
4,42
